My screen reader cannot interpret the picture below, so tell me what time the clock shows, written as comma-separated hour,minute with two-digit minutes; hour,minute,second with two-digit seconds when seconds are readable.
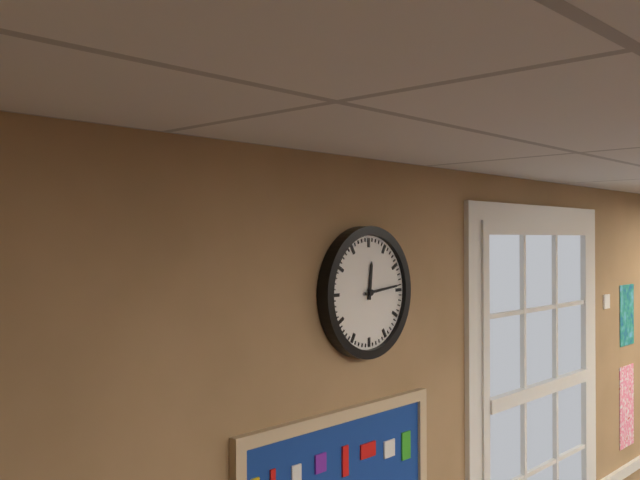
12,14
